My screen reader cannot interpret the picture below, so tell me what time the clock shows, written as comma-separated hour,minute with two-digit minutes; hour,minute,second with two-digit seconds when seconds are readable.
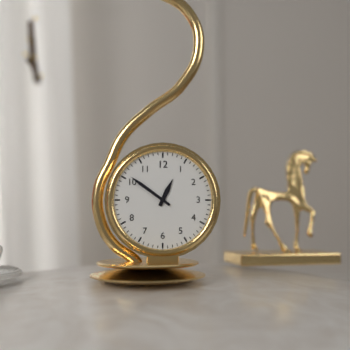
12,51
